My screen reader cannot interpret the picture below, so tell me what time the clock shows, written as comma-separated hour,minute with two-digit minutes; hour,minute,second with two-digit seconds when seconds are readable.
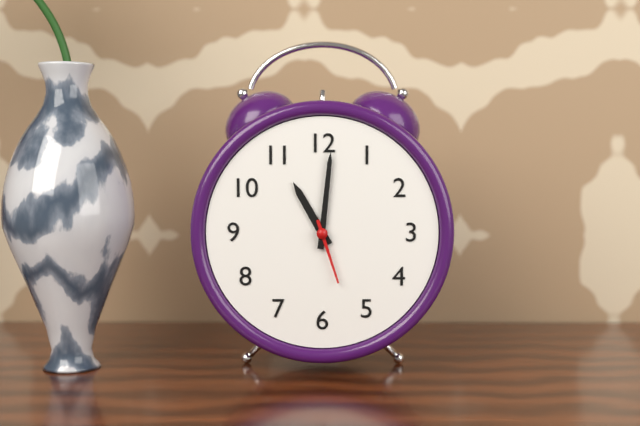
11,01,27
